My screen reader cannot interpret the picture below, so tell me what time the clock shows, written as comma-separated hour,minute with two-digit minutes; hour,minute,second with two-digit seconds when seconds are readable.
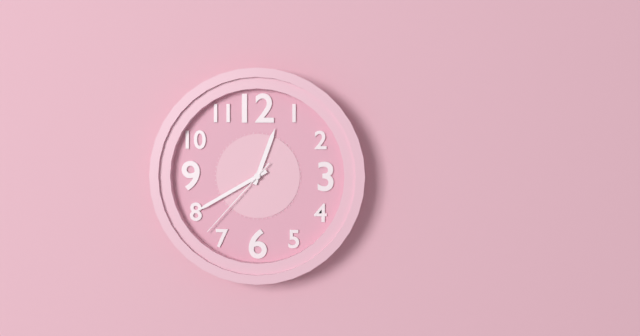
12,40,37
